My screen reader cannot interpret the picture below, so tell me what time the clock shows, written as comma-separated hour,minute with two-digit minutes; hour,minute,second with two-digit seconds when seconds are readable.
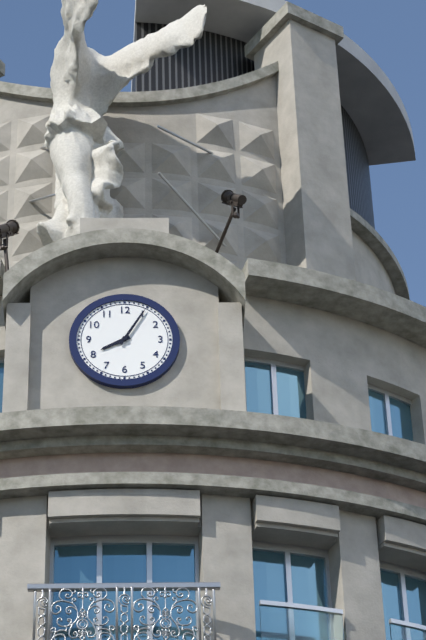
8,05
